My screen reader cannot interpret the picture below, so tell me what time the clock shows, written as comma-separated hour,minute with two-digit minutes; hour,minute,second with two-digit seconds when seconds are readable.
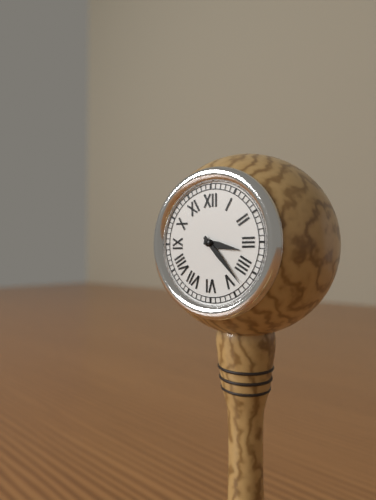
3,23
